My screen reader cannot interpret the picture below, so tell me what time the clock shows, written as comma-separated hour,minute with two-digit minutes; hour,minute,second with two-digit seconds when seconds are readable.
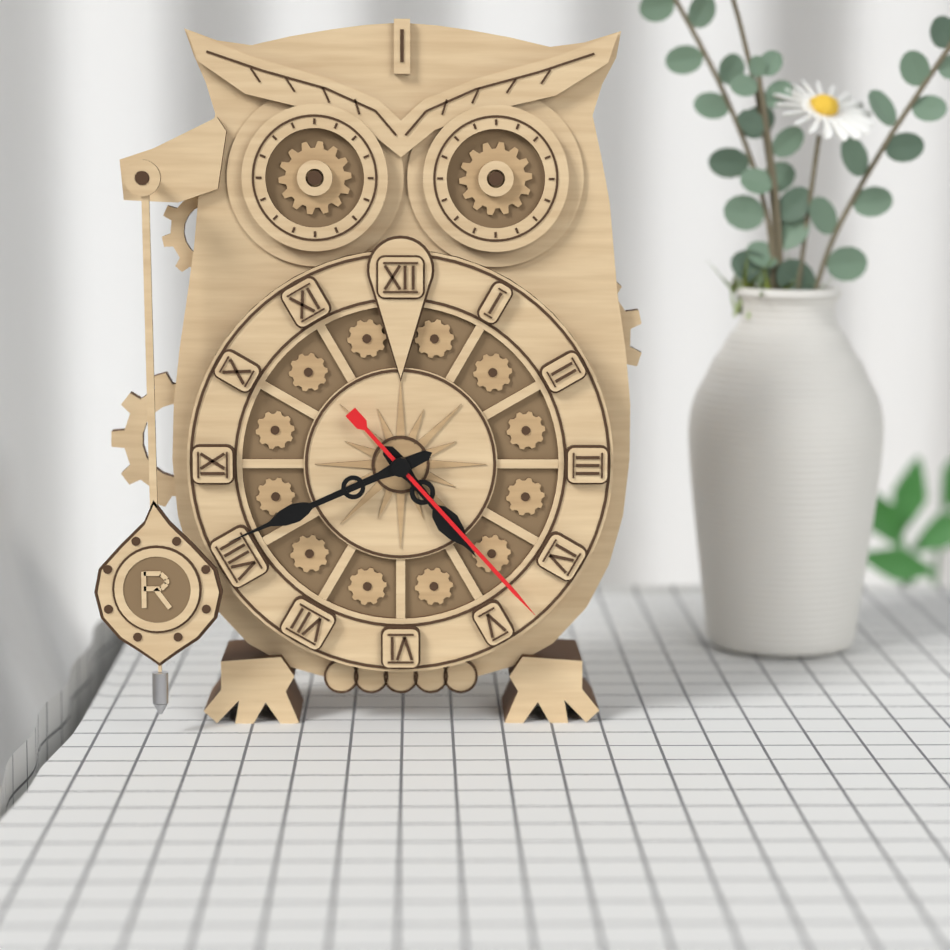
4,41,23
